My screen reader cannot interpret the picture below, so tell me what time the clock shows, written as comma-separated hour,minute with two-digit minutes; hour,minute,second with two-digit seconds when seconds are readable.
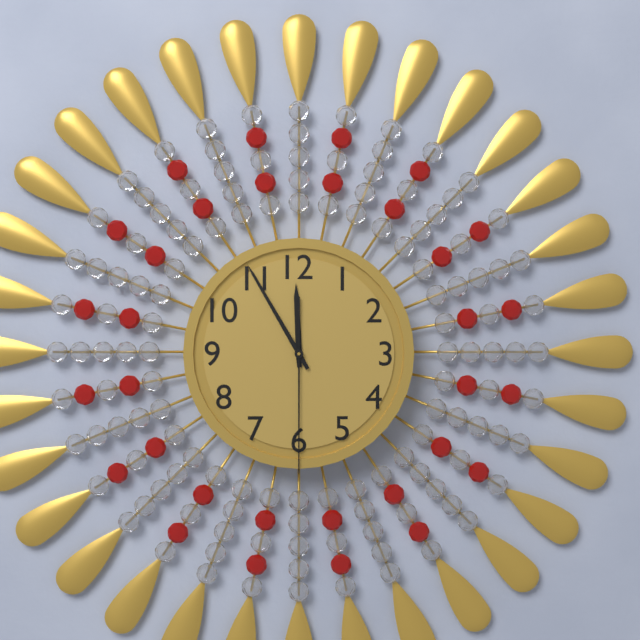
11,55,30
